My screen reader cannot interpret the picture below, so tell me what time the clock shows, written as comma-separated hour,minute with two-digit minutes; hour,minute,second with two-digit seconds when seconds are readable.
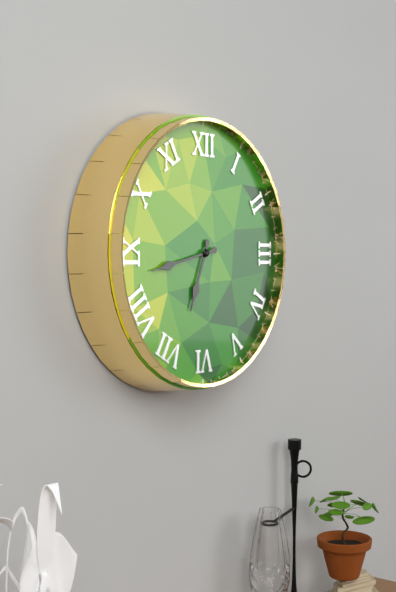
6,43
